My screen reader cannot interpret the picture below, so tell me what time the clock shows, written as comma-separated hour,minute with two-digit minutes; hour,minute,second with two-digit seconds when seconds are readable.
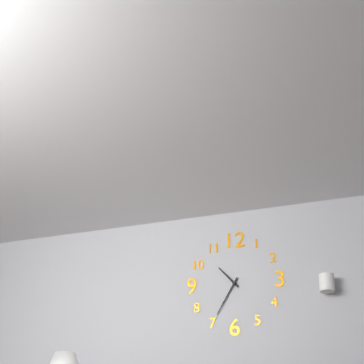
10,35
